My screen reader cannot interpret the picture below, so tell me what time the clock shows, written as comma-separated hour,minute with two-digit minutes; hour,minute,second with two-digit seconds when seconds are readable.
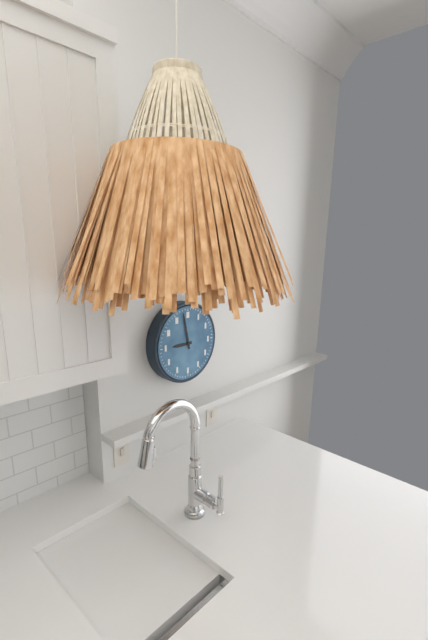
8,58
